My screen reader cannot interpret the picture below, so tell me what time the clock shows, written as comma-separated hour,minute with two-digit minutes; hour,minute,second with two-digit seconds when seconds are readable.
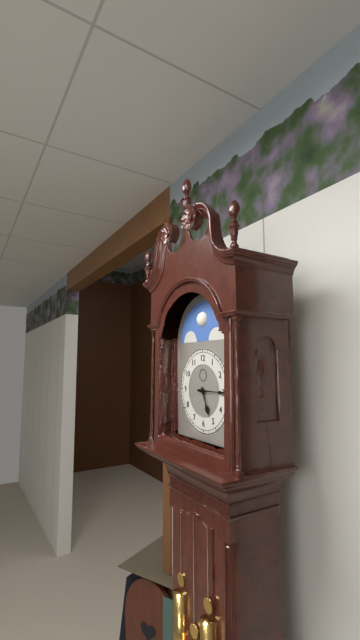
5,15
